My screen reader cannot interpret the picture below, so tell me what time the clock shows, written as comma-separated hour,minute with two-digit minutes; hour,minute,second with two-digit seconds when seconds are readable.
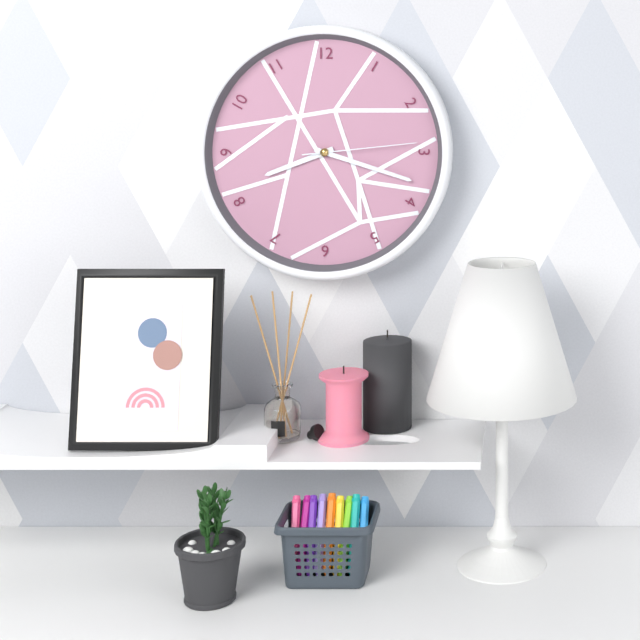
8,18,14
